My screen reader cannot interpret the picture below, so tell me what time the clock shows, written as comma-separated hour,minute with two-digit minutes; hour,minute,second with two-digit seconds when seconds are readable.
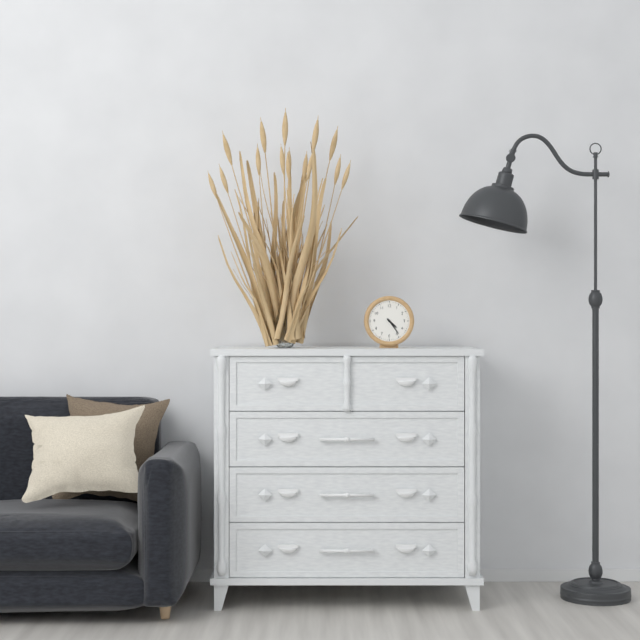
4,24
